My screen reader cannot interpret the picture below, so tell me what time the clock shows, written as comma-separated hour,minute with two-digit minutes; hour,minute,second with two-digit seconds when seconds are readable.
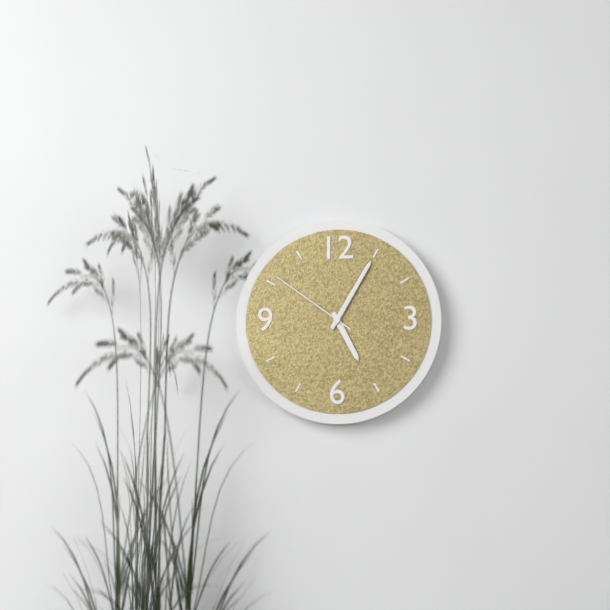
5,05,51
